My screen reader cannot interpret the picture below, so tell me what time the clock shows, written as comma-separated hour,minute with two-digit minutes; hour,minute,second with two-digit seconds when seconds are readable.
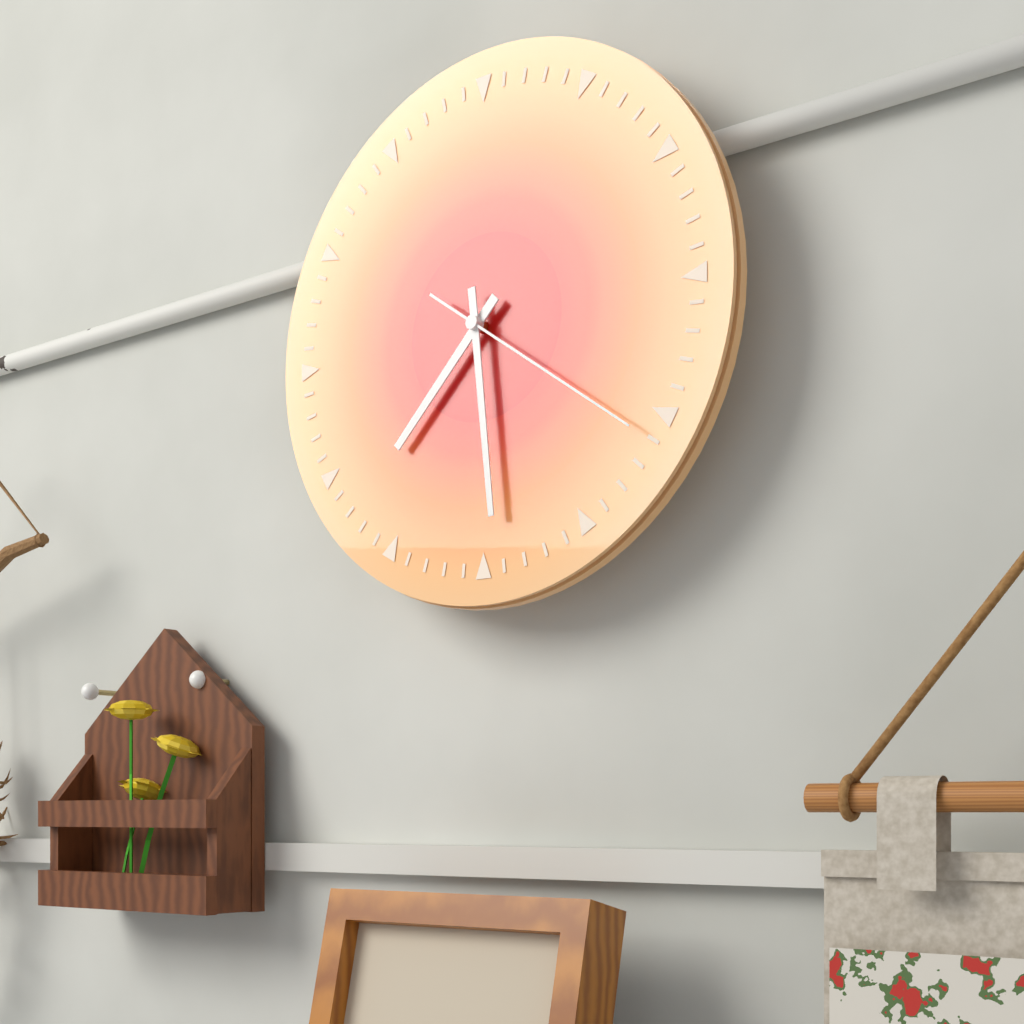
7,29,21
